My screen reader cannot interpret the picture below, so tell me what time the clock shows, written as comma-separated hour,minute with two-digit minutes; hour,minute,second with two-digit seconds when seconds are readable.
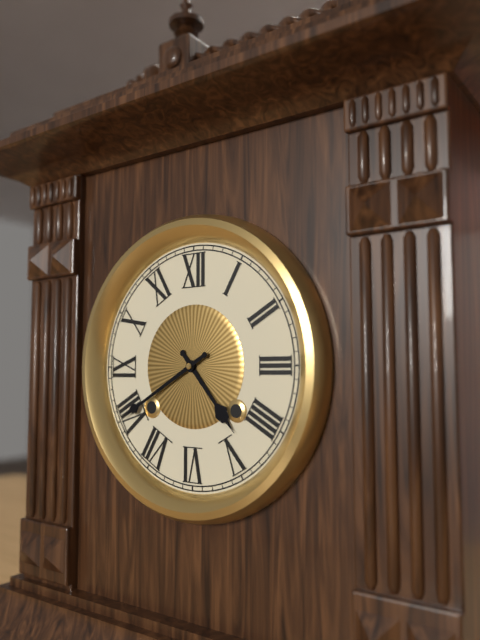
4,40
